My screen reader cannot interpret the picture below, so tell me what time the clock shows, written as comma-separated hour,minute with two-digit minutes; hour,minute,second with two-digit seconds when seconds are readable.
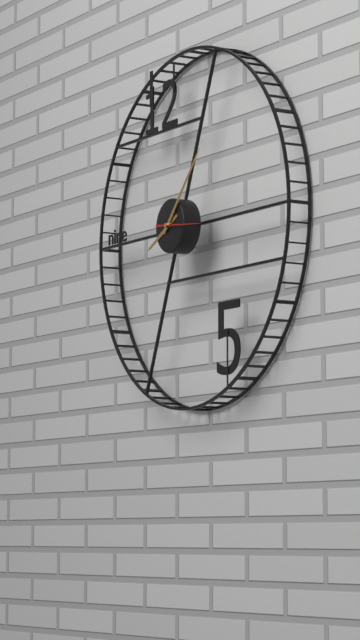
8,07
